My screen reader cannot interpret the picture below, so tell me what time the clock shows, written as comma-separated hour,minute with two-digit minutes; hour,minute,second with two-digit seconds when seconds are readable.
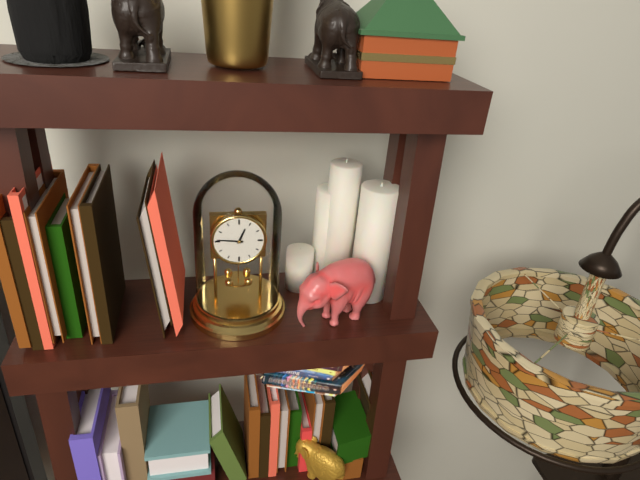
12,46
